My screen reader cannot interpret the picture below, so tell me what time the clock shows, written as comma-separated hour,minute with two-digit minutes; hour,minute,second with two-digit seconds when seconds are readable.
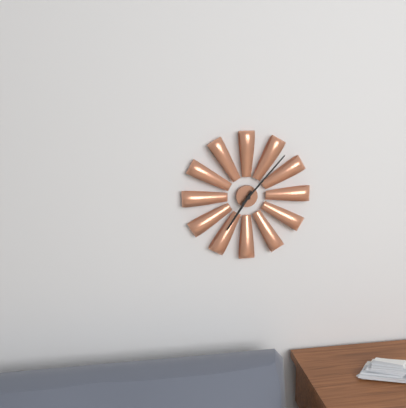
7,07
